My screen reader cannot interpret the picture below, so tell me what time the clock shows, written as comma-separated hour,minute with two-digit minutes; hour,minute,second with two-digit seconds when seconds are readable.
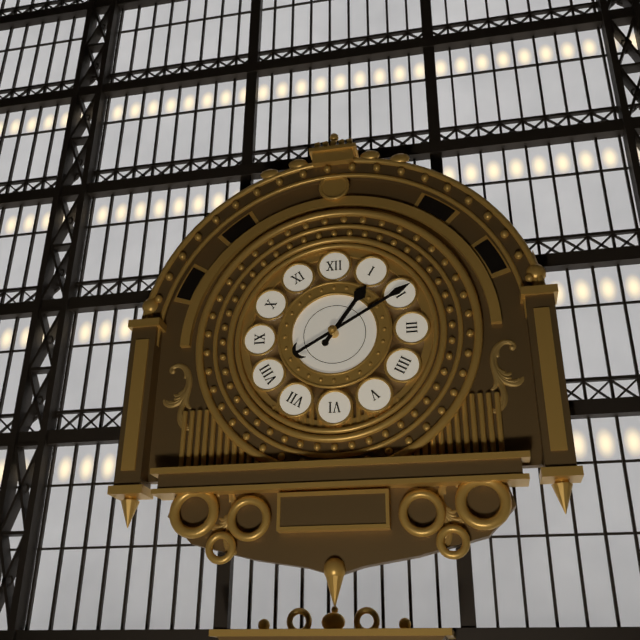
1,10
